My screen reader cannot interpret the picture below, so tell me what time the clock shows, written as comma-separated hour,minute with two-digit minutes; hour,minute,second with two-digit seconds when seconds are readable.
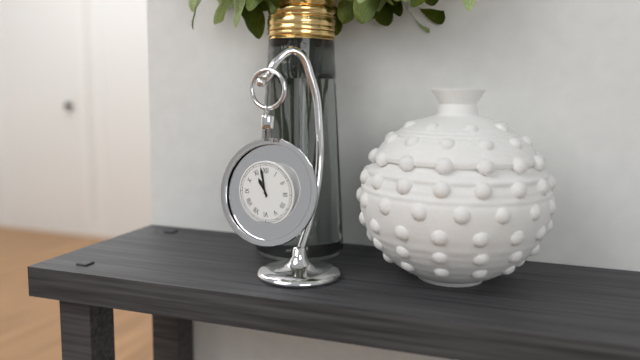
10,58
